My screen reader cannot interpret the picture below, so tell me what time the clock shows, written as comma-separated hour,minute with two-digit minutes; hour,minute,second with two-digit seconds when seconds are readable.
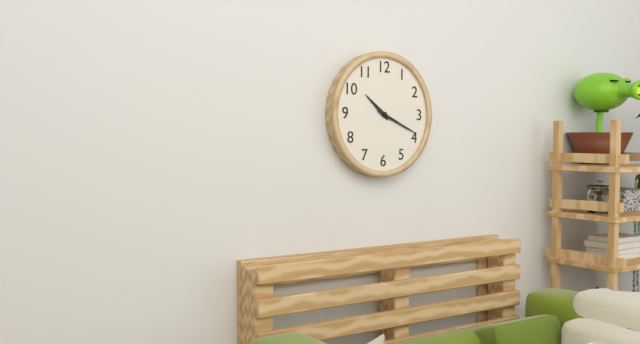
10,19
